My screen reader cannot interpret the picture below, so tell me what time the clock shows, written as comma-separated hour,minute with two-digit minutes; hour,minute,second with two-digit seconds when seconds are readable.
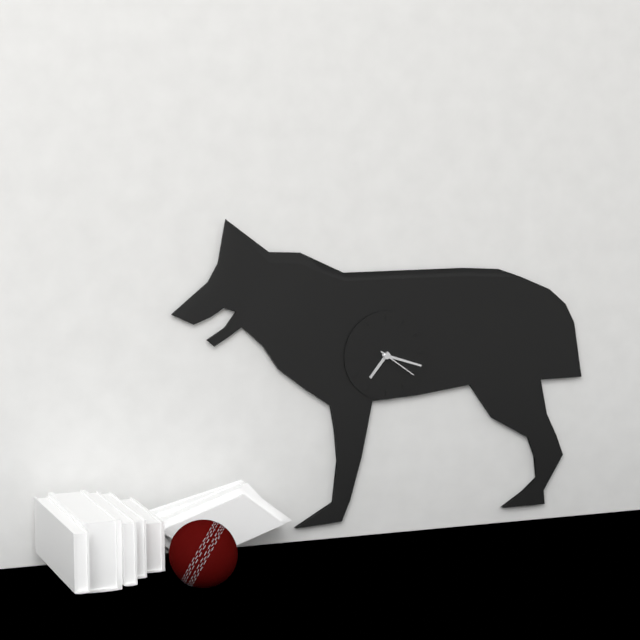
7,18
